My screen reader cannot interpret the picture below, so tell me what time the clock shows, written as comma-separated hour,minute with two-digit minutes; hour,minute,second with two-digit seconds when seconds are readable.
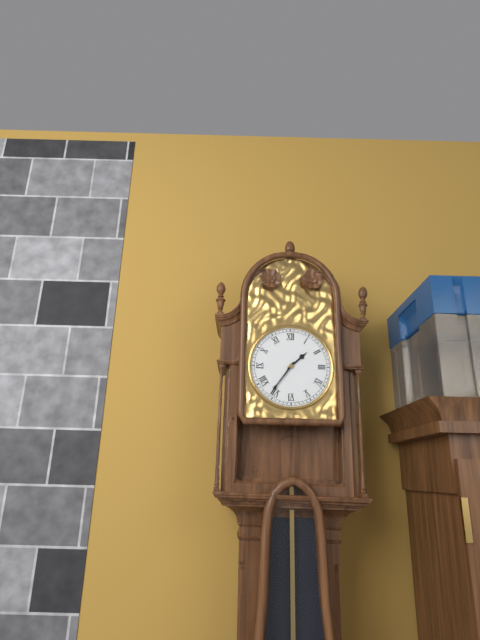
1,36
